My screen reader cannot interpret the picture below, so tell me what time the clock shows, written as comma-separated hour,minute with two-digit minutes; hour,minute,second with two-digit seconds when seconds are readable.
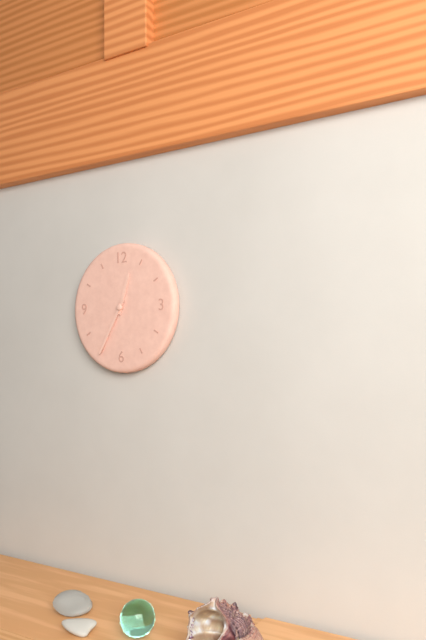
12,35
